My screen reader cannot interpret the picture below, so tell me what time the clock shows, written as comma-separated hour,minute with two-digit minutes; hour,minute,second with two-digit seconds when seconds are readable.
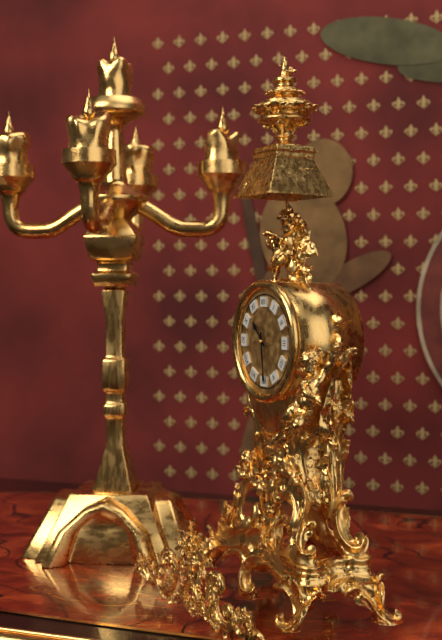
10,29
